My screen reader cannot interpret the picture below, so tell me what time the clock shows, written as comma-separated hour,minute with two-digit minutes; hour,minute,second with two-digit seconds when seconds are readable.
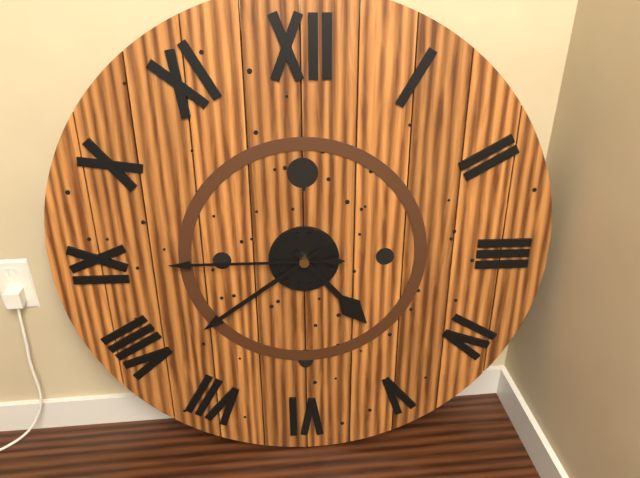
4,39,45
